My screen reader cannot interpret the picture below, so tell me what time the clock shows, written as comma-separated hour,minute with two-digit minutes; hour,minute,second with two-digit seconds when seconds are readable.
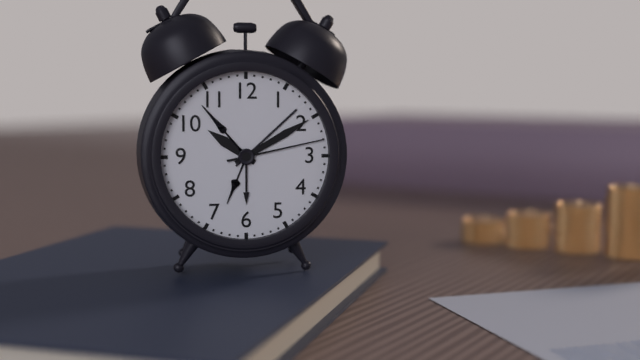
10,10,13
